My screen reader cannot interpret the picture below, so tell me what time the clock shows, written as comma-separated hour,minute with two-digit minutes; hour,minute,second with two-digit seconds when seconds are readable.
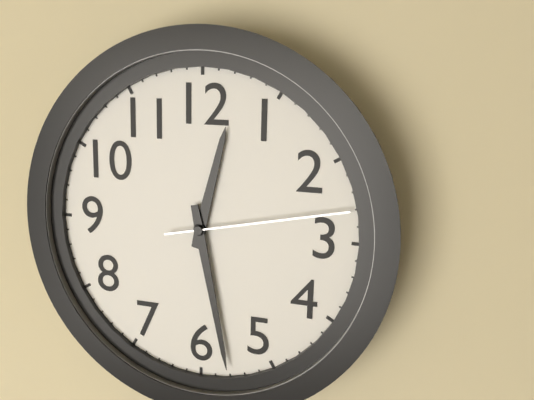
12,28,13
